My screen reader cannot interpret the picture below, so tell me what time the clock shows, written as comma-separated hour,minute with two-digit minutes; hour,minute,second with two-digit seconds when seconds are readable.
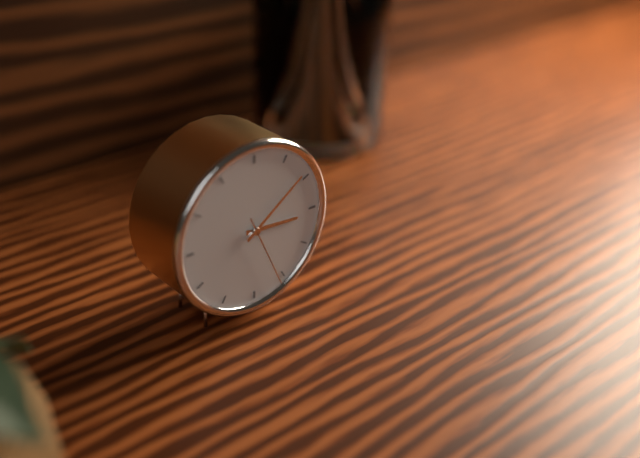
3,09,26
